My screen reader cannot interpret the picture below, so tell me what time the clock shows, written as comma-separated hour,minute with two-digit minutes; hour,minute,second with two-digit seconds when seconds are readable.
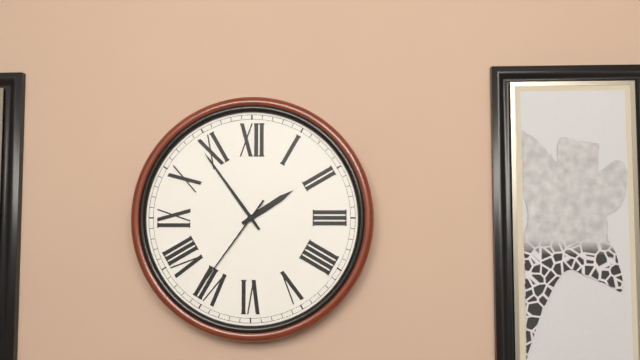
1,54,36
